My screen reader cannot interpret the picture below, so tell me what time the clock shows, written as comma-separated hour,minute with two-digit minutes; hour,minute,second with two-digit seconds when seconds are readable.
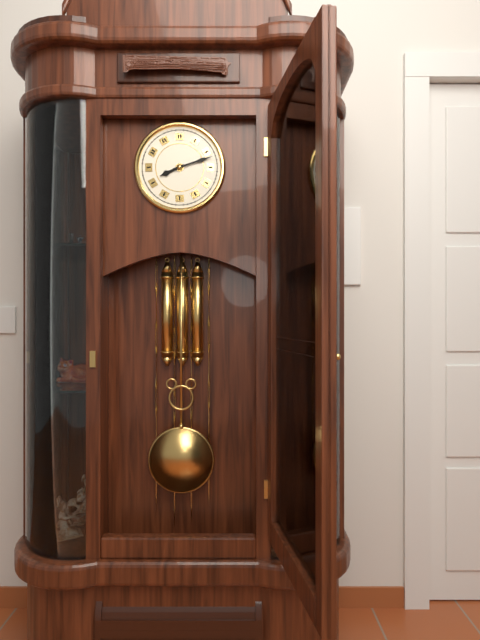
8,12
